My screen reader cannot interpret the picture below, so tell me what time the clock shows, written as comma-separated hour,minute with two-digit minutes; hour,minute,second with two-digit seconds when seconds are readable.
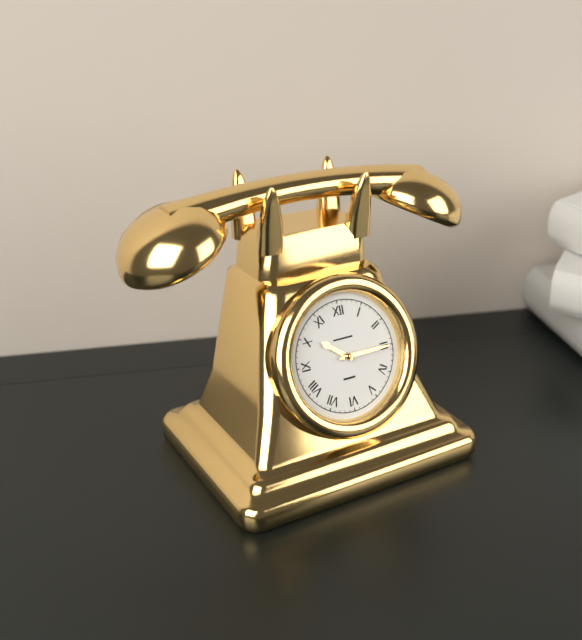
10,15
